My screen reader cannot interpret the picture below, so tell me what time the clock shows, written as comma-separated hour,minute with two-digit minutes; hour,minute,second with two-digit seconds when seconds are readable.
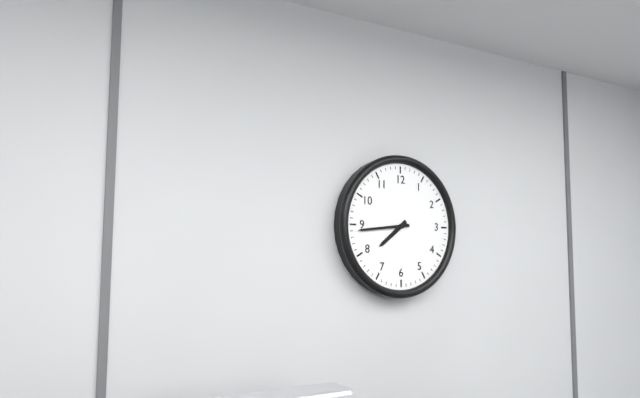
7,44
